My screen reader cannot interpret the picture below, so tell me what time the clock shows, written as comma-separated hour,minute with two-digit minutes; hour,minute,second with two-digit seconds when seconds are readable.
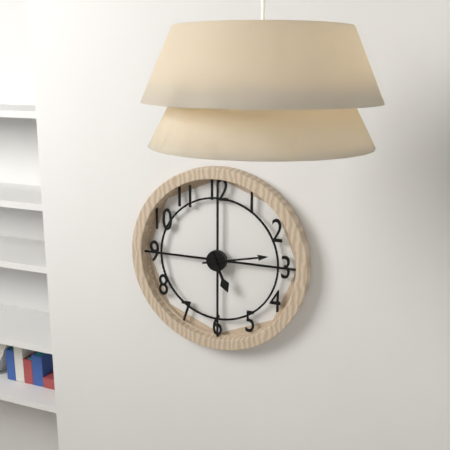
5,13
